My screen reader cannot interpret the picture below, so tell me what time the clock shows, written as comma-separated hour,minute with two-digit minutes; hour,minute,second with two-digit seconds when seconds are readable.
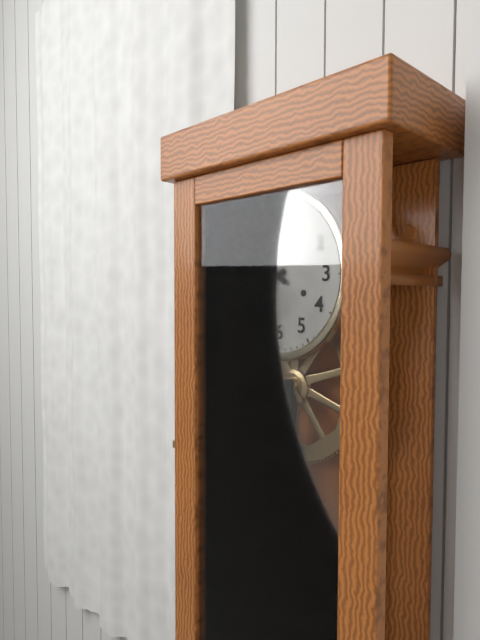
7,51
